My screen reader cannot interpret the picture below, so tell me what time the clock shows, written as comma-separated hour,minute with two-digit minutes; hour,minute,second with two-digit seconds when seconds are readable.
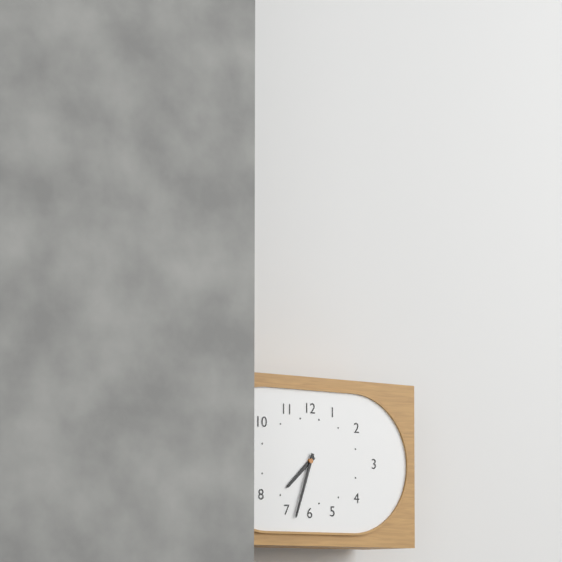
7,33
